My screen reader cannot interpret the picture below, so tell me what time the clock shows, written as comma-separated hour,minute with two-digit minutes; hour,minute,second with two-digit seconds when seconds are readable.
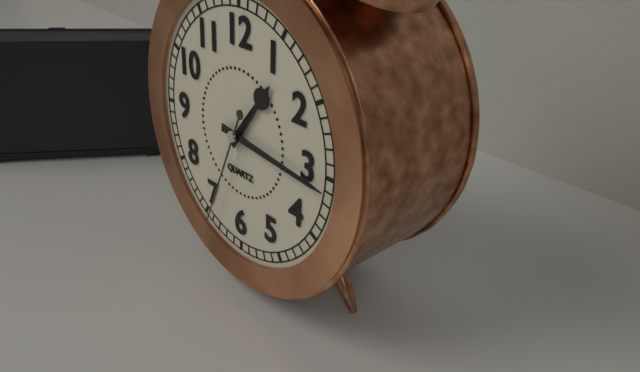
1,16,34
